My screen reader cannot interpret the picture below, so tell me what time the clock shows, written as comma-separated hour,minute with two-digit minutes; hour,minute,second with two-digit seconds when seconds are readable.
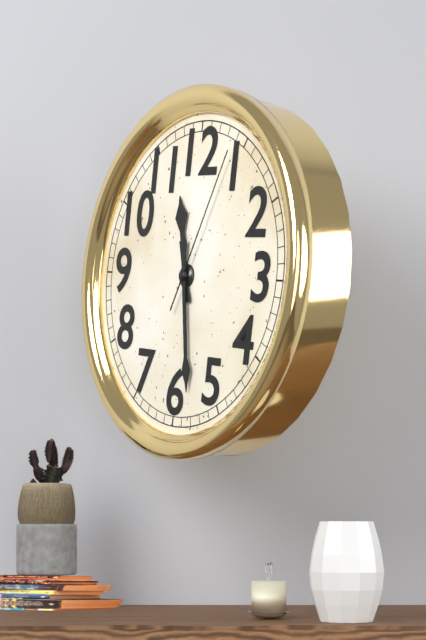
11,28,04
